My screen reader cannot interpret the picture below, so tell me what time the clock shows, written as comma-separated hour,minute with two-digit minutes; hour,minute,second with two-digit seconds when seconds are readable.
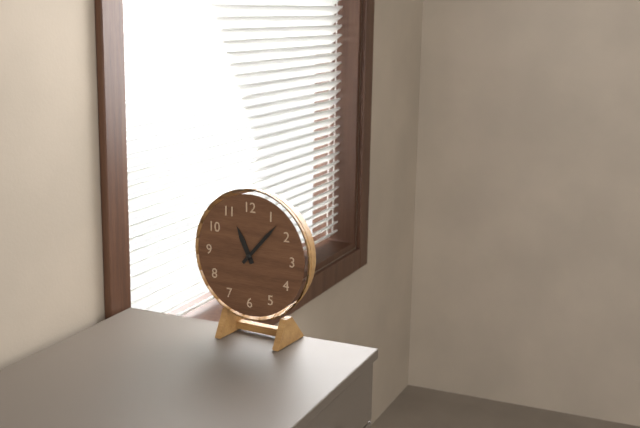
11,07
